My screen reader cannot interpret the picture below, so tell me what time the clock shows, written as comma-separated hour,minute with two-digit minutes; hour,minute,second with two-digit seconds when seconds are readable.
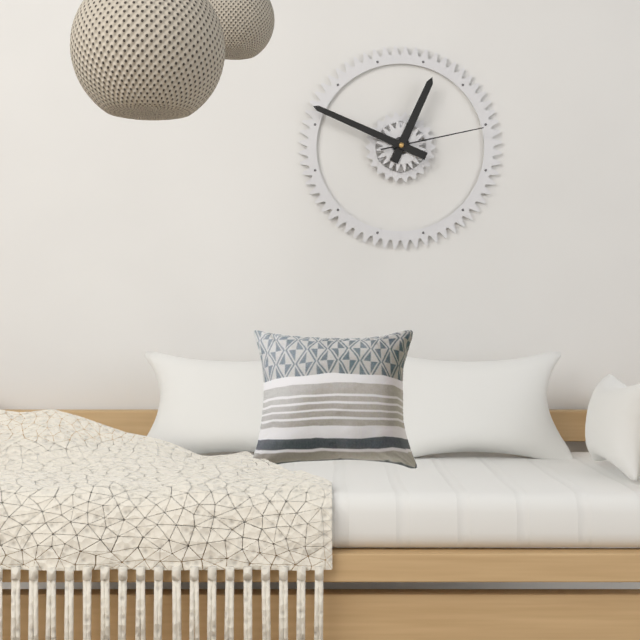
12,49,13
